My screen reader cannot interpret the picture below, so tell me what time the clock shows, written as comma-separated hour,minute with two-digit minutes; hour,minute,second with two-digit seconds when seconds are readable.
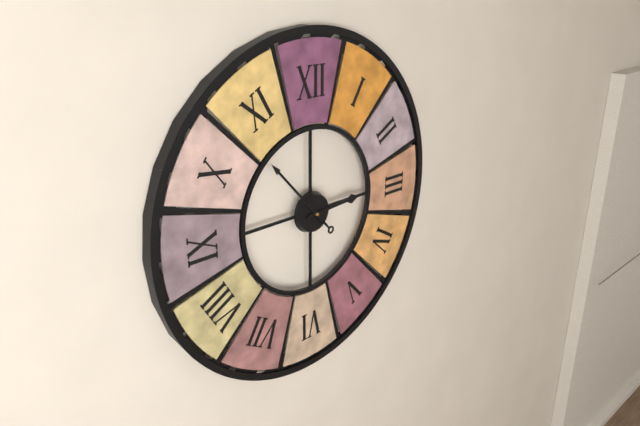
2,53
